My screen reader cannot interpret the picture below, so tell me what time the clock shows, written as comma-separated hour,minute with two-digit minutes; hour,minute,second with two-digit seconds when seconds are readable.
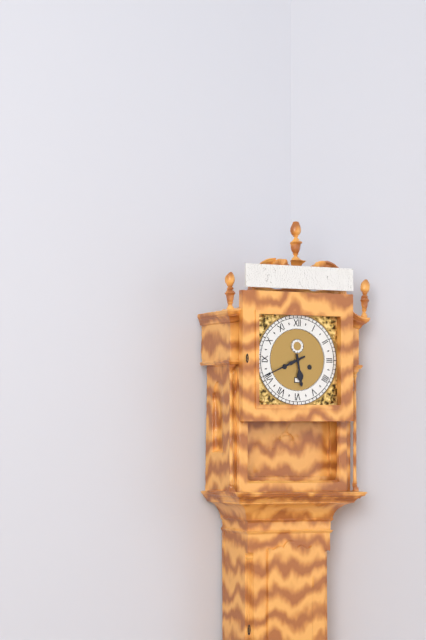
5,41
